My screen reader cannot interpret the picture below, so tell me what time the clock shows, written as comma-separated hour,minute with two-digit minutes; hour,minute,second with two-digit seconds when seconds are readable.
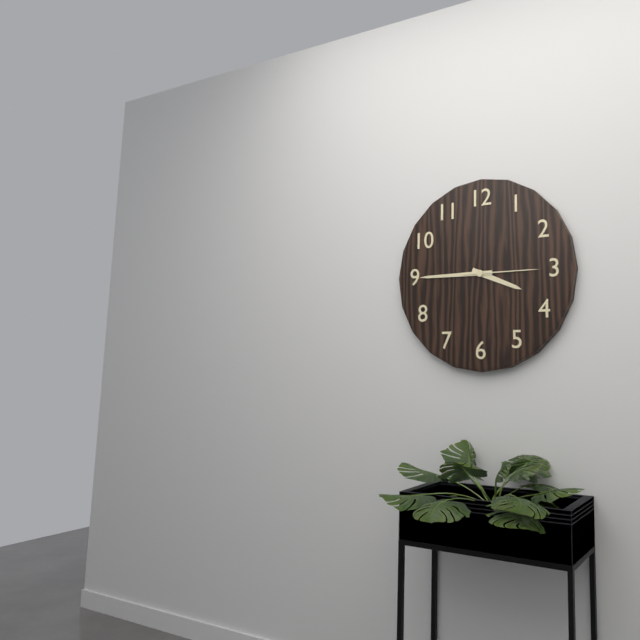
3,45,15
